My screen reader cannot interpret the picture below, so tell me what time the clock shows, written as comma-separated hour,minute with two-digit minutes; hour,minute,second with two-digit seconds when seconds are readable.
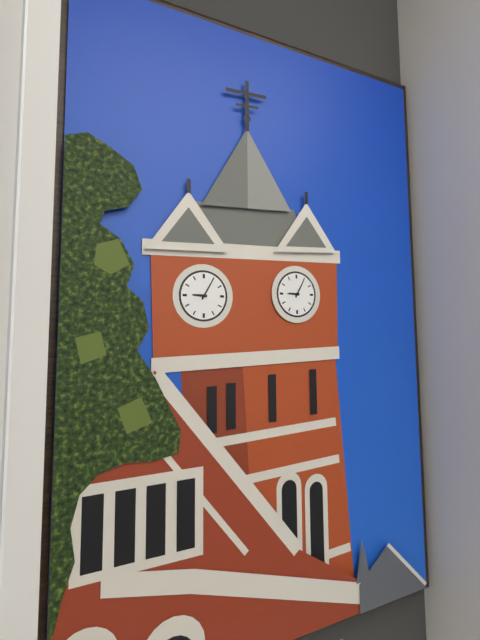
9,05
